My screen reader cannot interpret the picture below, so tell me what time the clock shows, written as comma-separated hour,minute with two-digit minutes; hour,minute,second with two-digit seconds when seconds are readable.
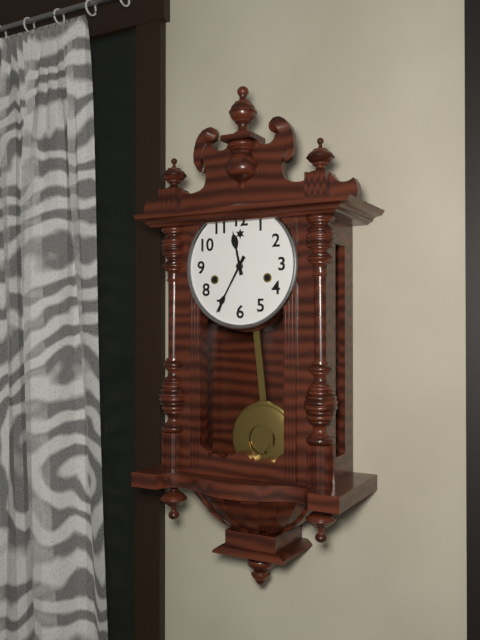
11,35
